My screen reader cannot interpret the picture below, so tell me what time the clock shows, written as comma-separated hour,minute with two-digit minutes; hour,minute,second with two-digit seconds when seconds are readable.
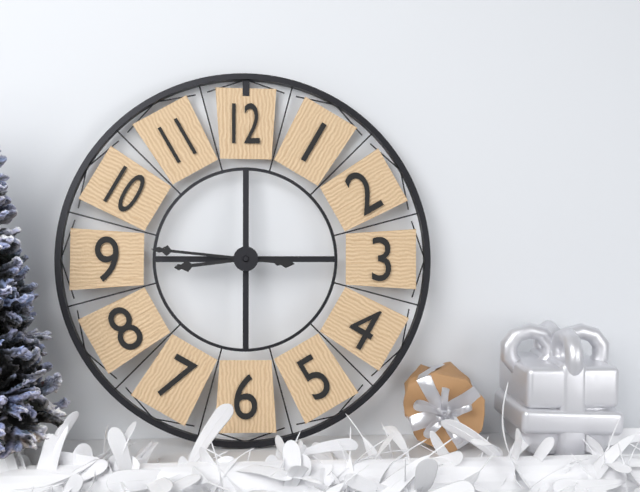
8,46
